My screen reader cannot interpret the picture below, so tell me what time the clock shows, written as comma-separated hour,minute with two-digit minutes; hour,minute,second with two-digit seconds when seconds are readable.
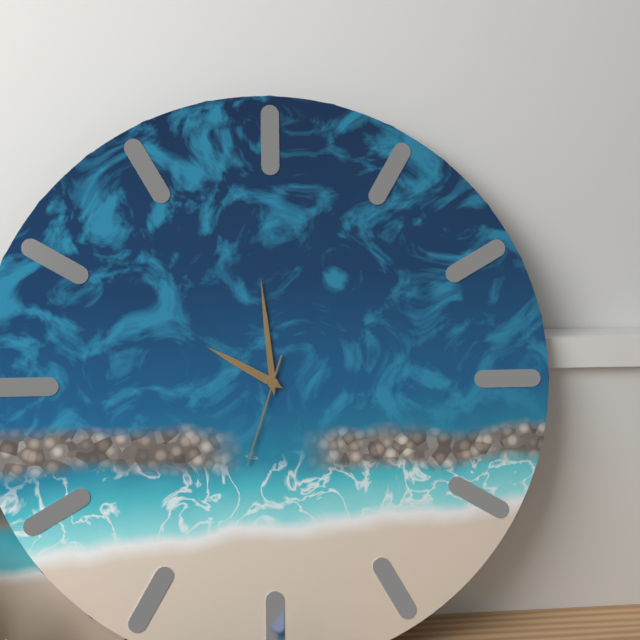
9,59,33
